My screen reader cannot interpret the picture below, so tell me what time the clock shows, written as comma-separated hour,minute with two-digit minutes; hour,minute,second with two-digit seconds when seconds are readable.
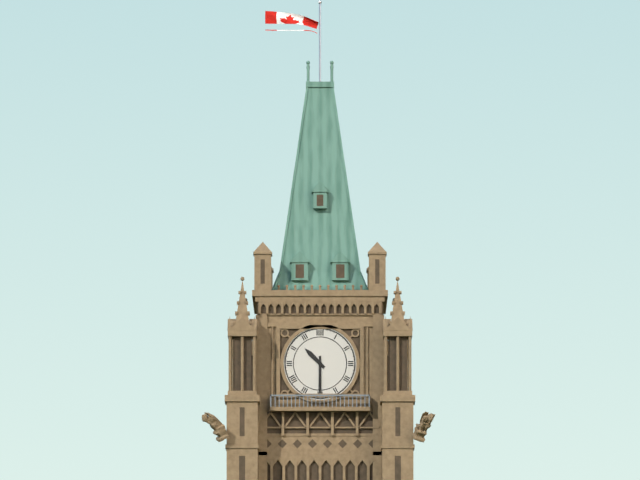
10,30
